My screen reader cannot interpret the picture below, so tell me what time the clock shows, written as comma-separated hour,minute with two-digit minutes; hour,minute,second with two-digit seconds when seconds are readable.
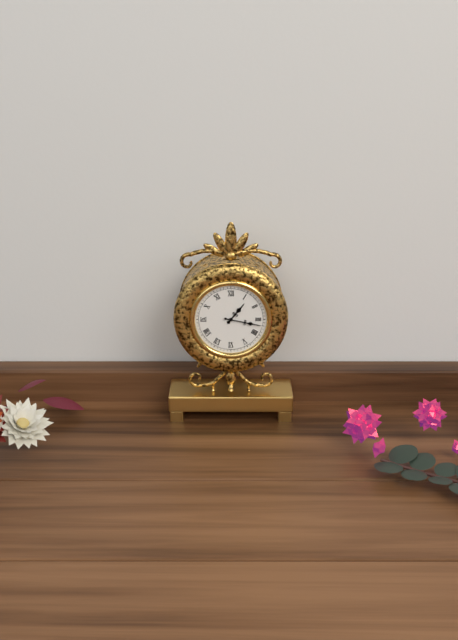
1,17
